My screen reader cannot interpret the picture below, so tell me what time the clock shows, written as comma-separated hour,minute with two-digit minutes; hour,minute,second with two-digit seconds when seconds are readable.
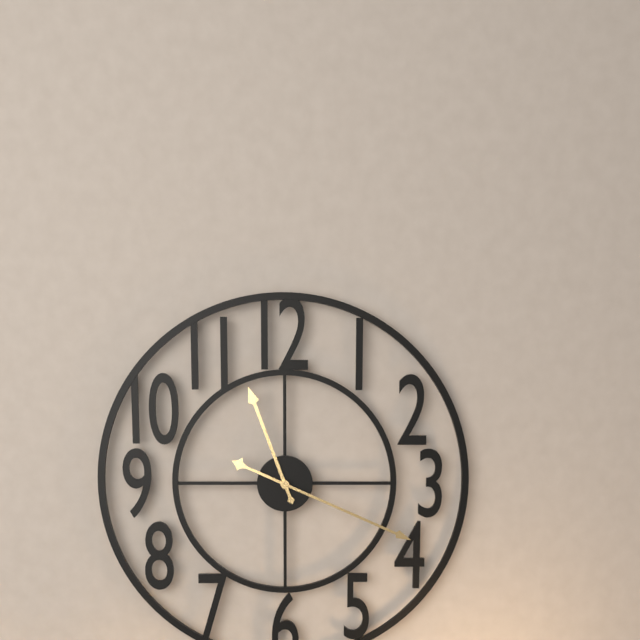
11,19
